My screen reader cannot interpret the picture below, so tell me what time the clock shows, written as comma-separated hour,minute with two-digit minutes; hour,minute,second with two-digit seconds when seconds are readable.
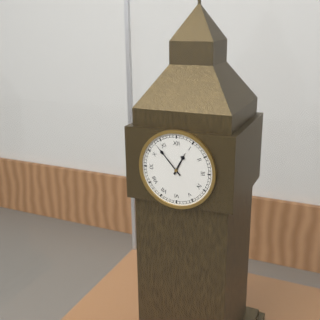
12,53
